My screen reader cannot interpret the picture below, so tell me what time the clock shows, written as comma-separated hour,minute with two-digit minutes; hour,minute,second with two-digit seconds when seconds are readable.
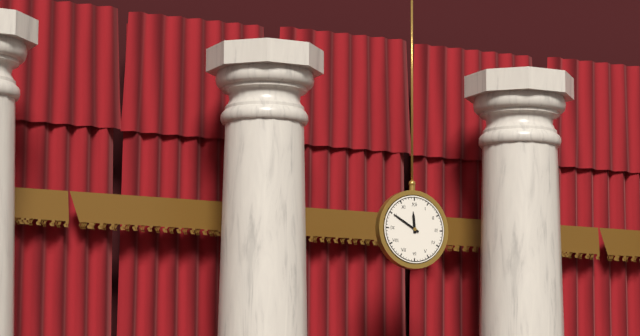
11,50
